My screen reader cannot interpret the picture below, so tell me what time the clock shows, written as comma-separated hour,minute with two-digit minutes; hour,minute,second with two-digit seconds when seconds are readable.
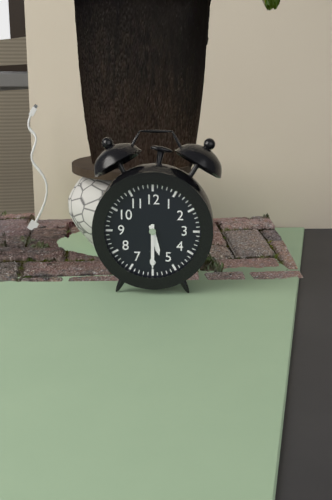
5,30
